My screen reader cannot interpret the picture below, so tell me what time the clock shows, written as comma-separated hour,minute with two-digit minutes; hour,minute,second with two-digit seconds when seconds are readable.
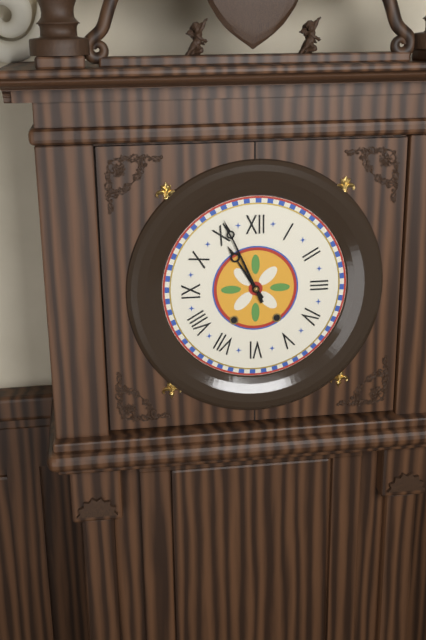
10,56
